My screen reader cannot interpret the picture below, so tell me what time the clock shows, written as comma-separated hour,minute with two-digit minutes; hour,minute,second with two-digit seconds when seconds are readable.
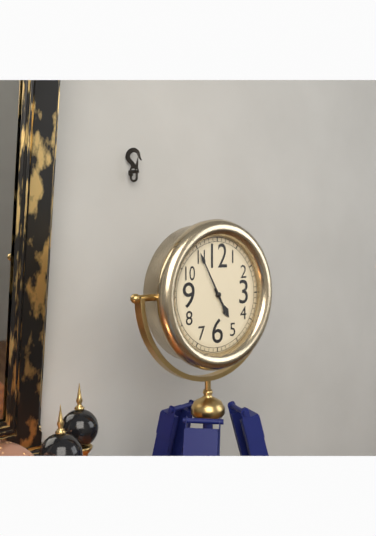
4,55
